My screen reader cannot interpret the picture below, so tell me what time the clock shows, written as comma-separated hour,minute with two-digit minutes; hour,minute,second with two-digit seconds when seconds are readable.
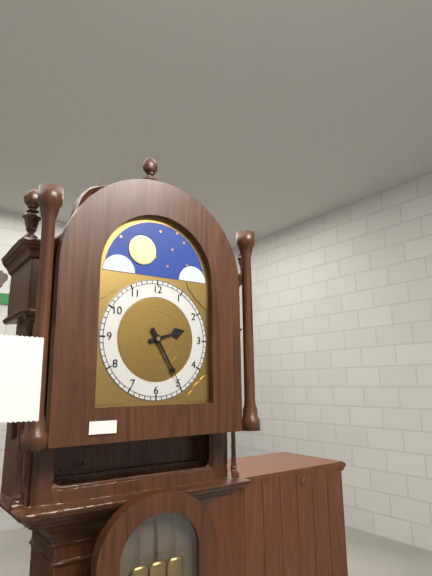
2,25
